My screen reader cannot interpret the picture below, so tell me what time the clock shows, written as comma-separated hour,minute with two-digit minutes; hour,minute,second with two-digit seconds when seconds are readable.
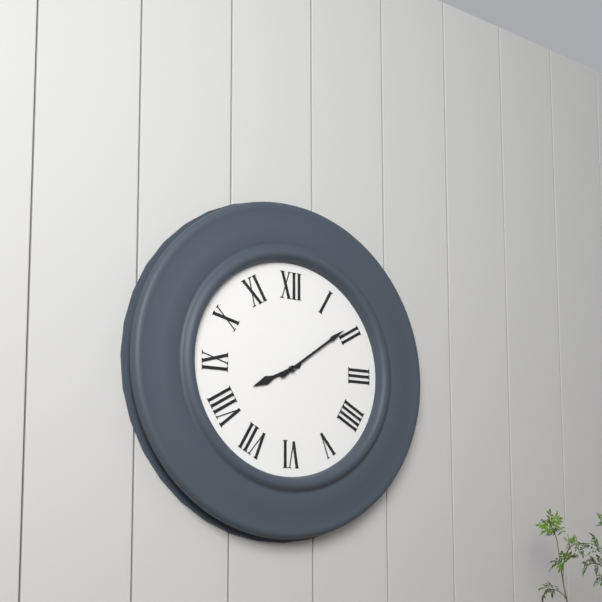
8,09
